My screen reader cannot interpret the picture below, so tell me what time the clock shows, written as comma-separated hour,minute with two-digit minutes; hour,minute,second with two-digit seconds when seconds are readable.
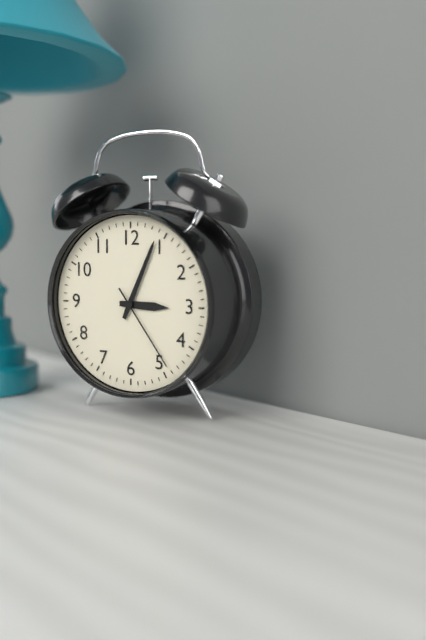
3,04,24
